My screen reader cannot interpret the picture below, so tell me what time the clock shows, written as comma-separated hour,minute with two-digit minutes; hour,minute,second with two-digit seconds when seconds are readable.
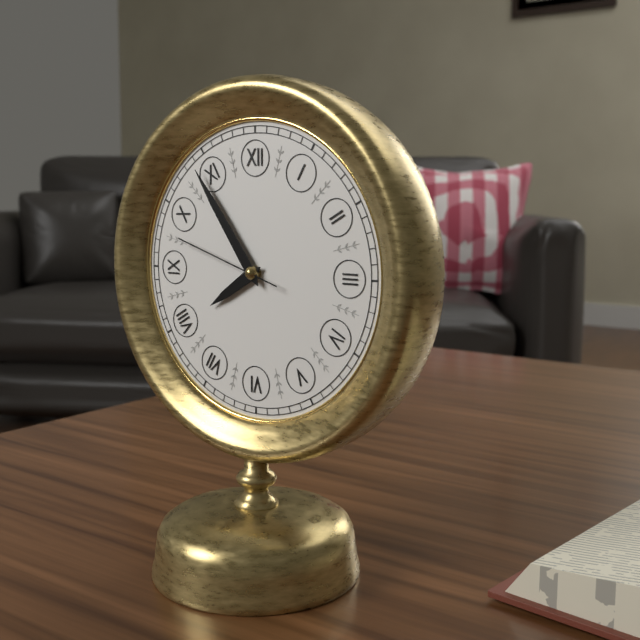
7,54,48
